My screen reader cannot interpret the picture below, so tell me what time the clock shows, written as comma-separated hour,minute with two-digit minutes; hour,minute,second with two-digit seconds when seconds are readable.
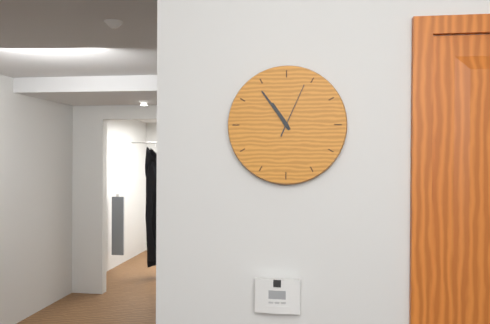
10,54,04
